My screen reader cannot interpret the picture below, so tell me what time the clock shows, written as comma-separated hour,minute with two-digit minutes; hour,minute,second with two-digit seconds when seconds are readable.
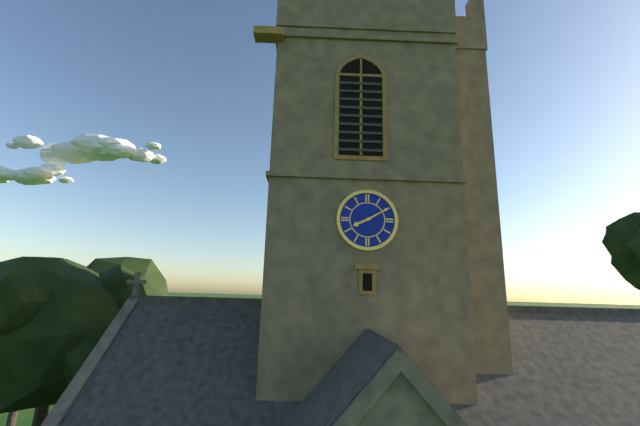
8,10
